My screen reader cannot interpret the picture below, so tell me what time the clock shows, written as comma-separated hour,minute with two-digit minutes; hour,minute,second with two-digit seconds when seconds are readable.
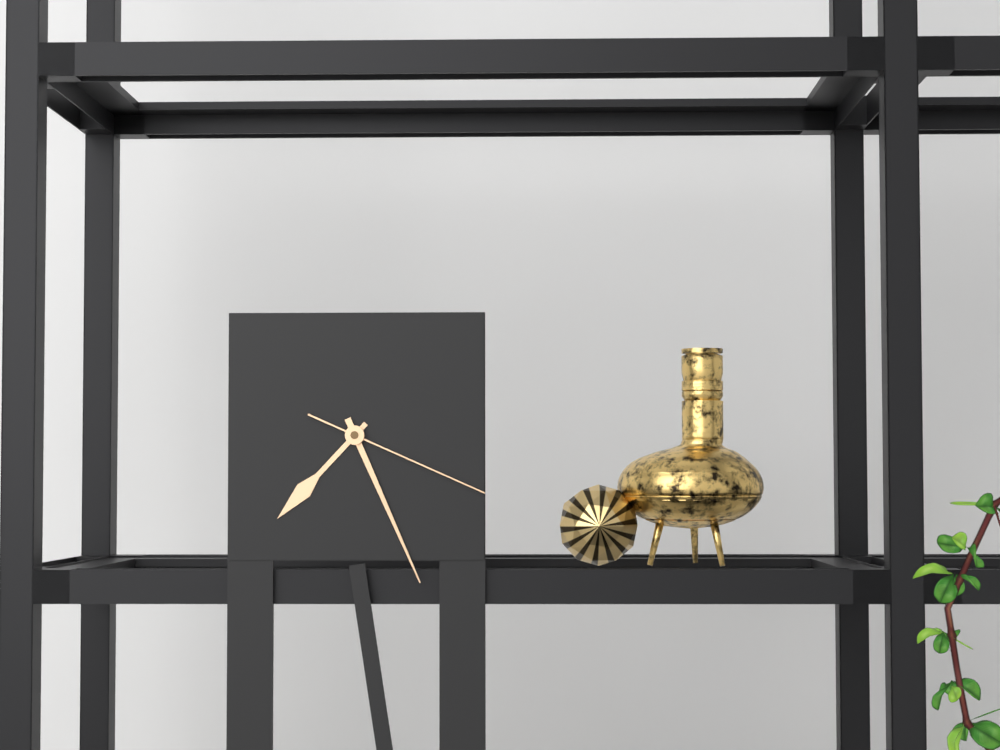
7,26,19
